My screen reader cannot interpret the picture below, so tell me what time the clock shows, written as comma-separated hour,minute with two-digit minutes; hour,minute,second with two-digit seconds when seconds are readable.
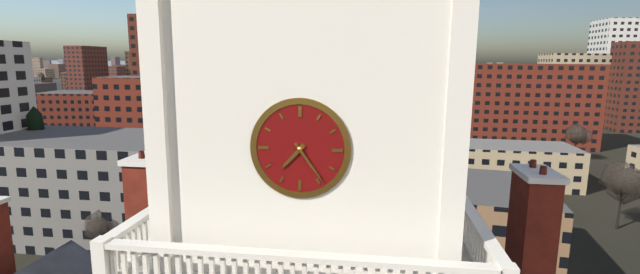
7,24
